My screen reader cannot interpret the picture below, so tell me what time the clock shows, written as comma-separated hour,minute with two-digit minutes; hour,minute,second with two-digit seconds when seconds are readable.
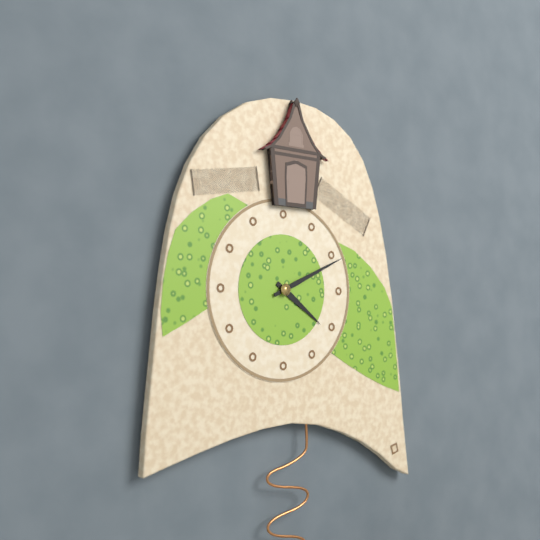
4,11
